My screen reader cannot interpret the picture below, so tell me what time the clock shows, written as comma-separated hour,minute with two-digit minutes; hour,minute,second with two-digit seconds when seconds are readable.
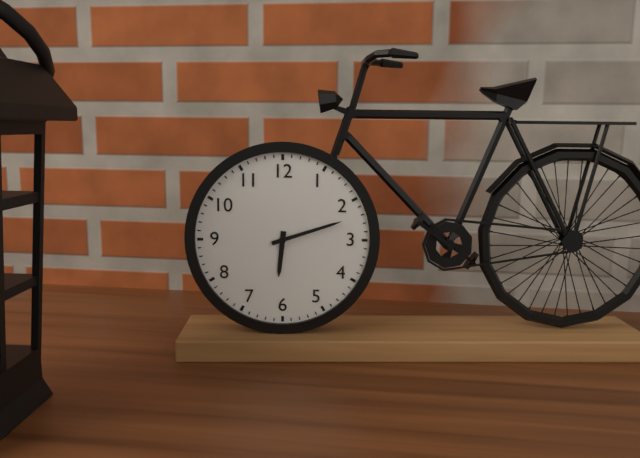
6,12
